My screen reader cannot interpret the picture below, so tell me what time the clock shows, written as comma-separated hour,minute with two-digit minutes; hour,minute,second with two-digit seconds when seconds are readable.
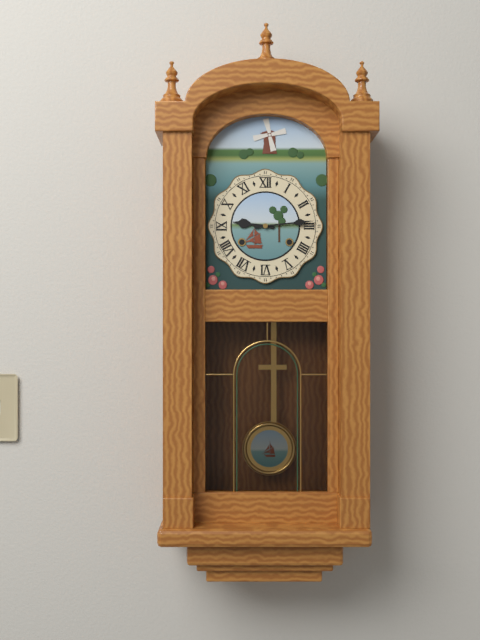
9,14
